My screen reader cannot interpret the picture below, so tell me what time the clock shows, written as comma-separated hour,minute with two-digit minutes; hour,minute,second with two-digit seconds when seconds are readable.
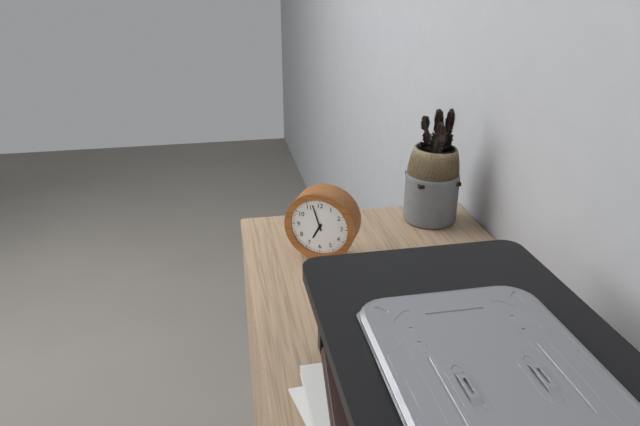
6,57
